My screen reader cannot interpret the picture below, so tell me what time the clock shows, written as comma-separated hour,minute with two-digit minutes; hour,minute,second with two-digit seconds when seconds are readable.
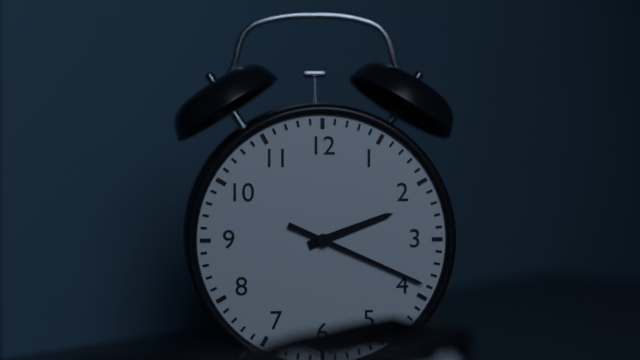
2,19
